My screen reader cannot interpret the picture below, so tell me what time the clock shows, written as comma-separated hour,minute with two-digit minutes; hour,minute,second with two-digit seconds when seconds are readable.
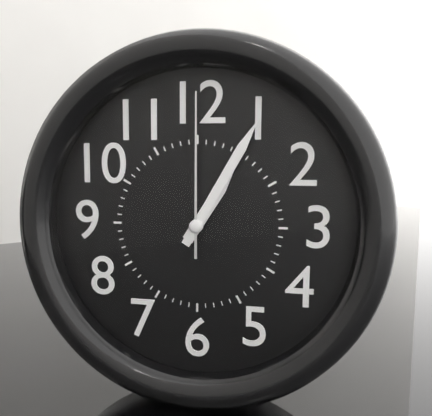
1,05,00
